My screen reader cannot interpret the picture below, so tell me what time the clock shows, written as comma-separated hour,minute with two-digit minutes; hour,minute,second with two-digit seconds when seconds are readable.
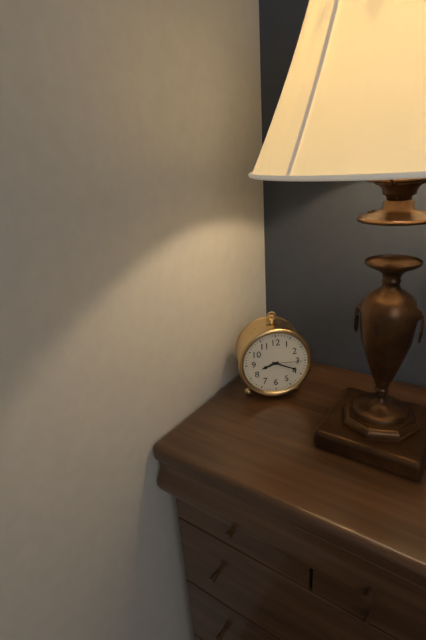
8,19
